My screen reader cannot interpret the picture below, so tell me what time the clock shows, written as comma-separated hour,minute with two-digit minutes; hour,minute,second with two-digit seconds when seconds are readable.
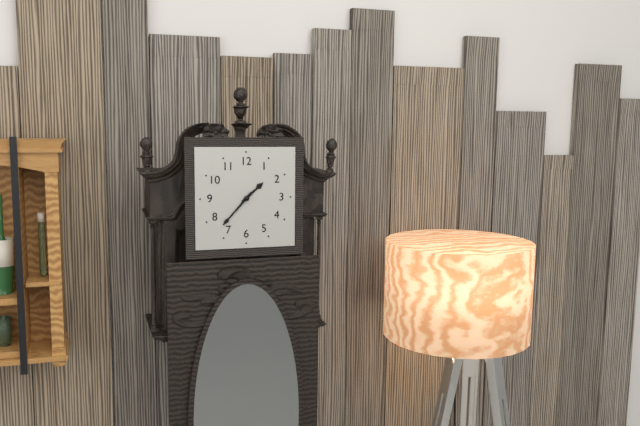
1,37
